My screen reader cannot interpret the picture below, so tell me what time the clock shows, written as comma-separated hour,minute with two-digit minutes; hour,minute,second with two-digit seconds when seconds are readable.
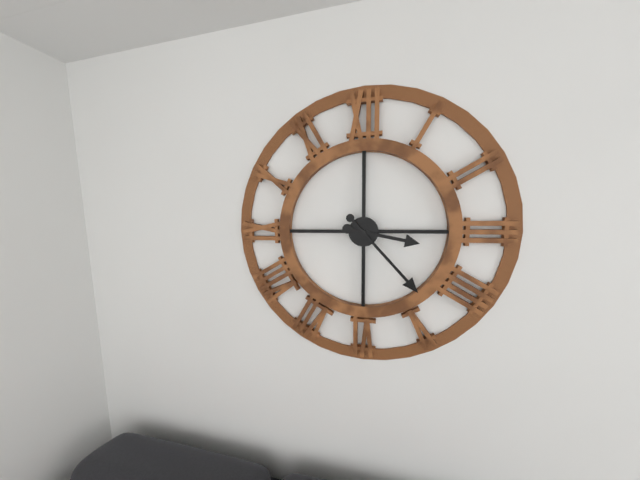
3,23
